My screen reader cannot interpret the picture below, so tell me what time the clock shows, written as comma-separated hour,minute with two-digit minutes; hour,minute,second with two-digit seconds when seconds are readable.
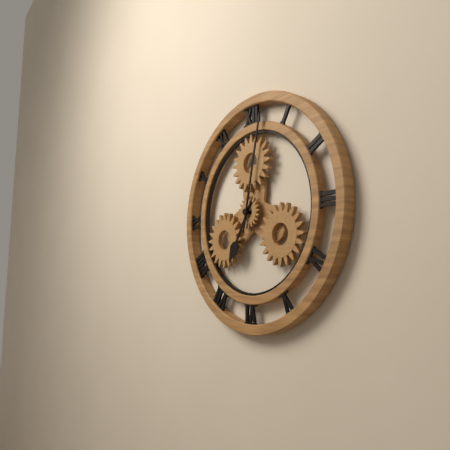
7,02
